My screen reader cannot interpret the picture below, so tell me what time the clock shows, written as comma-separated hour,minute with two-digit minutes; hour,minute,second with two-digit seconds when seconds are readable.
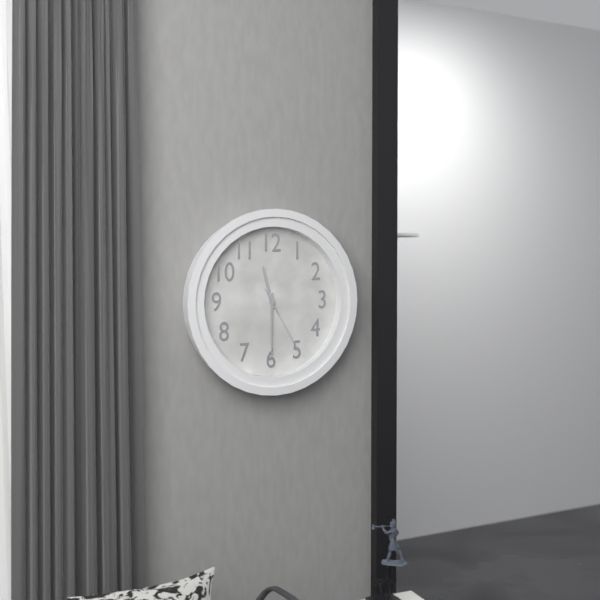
11,30,25
